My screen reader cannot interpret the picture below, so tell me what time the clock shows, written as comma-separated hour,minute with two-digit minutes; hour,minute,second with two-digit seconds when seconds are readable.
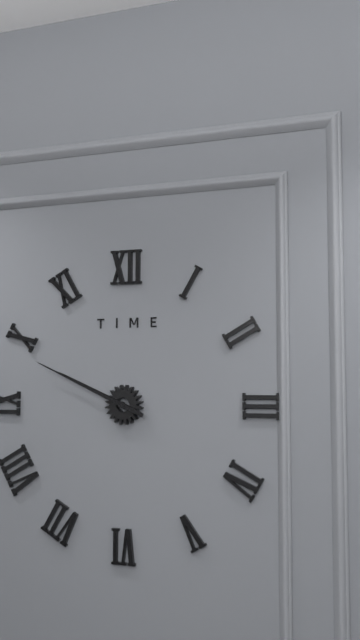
9,49
